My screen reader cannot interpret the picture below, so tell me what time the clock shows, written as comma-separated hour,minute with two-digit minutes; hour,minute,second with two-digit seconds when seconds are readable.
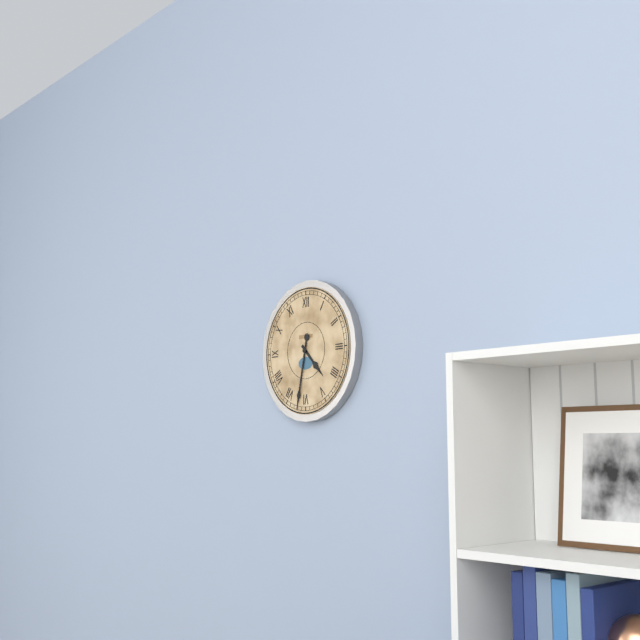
4,32
